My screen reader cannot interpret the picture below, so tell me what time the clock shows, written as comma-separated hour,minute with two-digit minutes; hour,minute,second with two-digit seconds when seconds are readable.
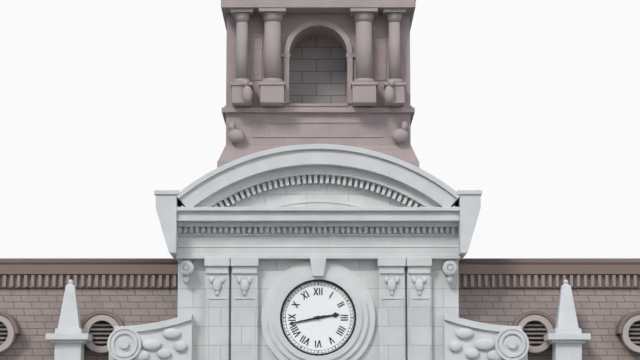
2,43
